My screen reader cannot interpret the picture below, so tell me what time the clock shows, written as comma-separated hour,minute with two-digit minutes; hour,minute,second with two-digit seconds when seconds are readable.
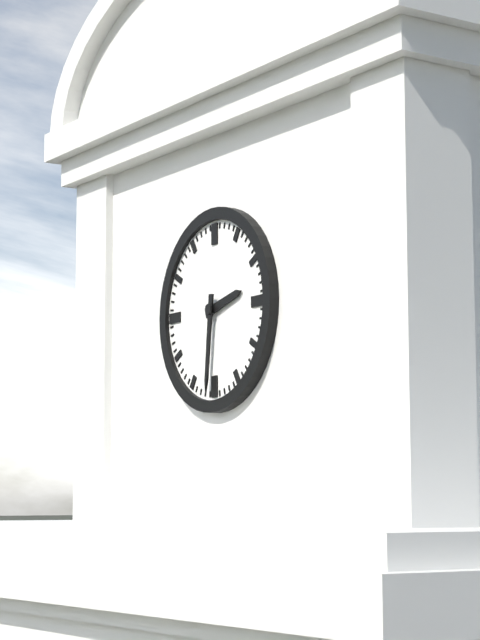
2,31
